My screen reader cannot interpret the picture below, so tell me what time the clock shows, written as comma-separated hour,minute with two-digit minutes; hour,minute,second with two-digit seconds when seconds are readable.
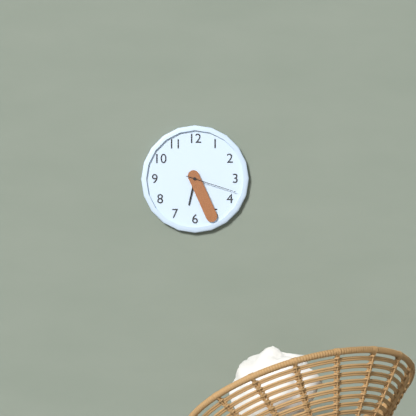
6,26,18
